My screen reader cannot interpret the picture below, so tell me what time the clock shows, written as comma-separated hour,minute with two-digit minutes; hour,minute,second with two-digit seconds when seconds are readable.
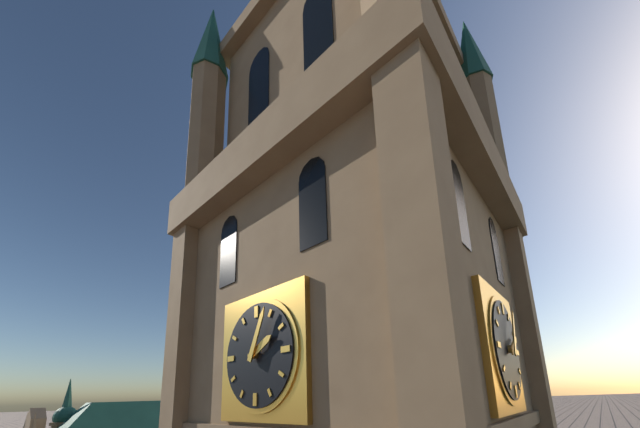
2,04
